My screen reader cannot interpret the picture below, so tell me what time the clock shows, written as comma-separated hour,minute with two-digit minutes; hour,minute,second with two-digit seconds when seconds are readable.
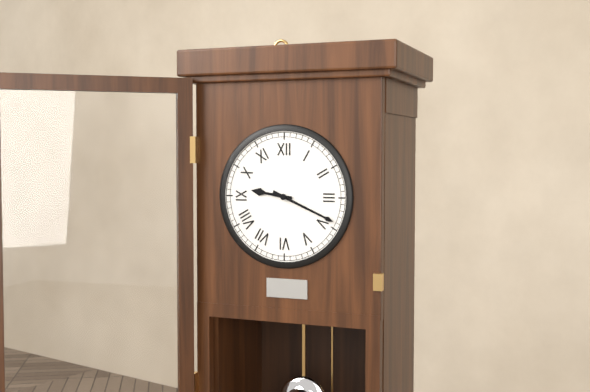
9,19
